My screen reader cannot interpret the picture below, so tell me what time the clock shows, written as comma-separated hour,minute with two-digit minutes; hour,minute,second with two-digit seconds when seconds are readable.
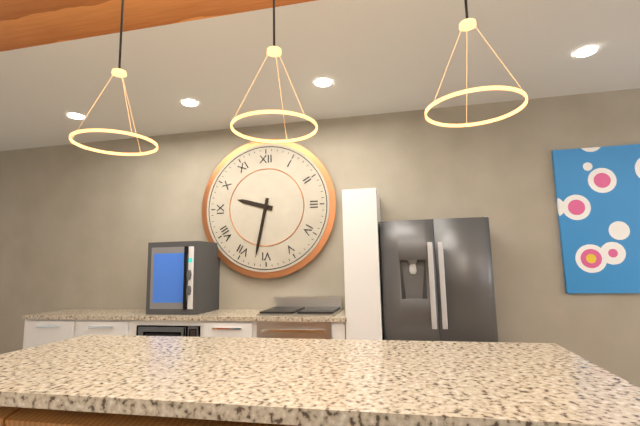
9,32
